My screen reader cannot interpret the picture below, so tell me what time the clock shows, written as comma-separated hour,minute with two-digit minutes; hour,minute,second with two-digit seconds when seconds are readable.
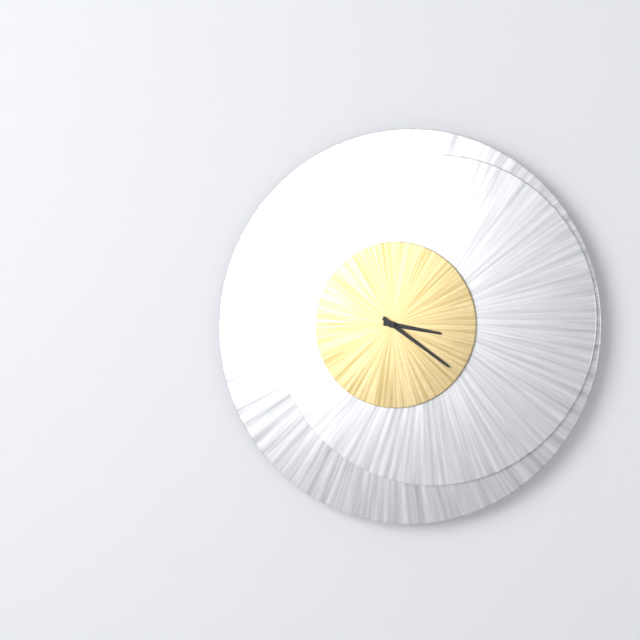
3,21
